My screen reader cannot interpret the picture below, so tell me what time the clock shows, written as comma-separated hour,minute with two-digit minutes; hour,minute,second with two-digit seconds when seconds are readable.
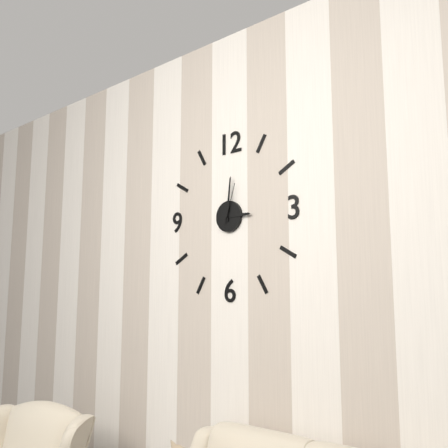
3,01
